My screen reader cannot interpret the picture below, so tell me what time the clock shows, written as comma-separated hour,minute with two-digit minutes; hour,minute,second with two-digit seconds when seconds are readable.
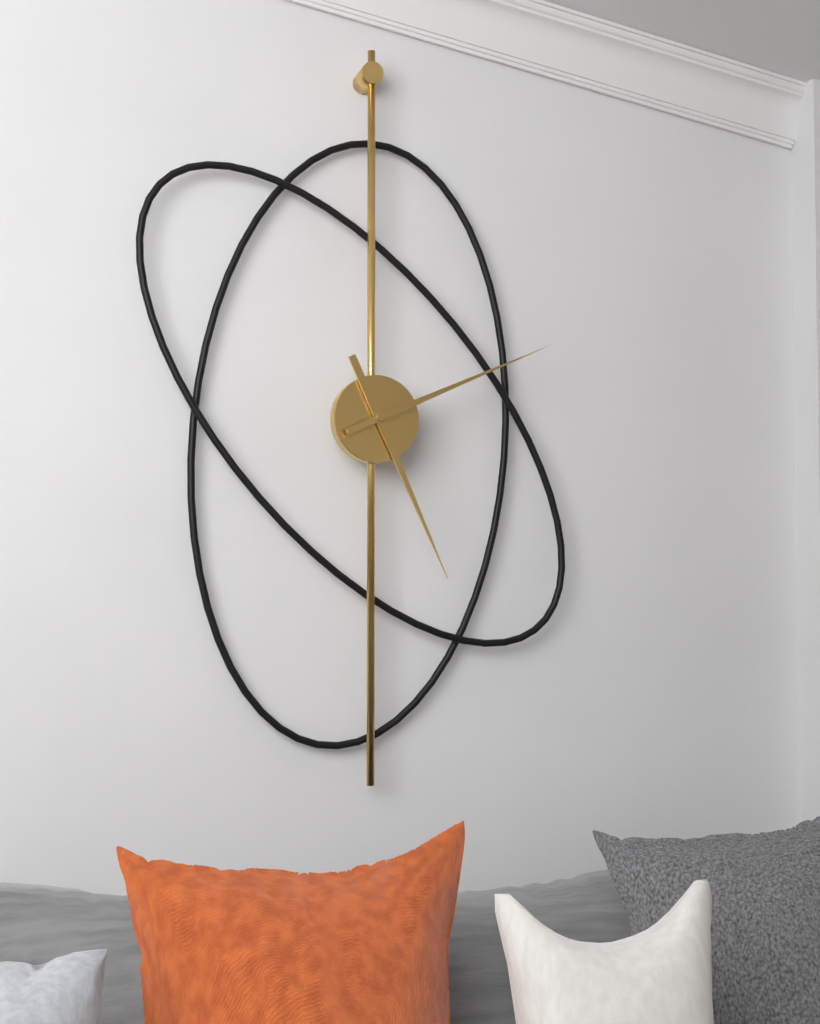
5,11
